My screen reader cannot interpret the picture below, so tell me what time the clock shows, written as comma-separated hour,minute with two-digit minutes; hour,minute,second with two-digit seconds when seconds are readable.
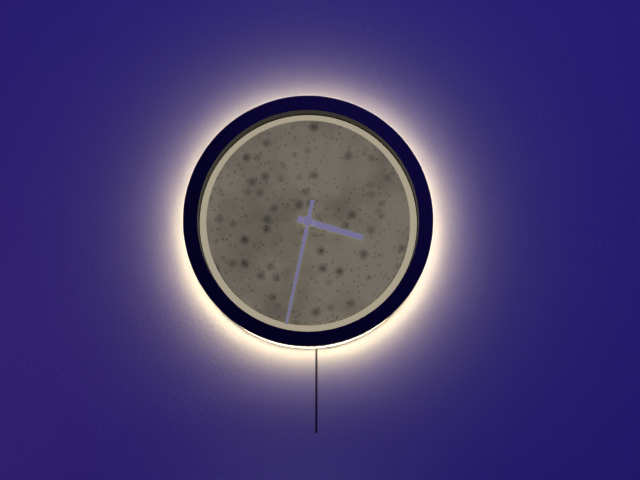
3,32
